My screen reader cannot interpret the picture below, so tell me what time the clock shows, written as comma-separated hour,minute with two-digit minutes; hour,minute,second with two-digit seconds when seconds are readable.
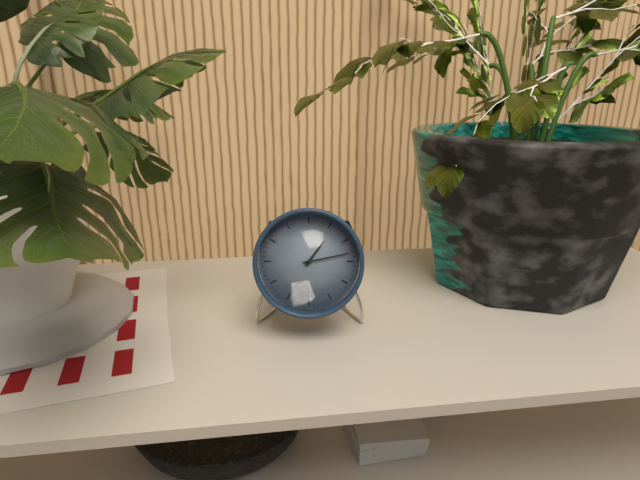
1,13
